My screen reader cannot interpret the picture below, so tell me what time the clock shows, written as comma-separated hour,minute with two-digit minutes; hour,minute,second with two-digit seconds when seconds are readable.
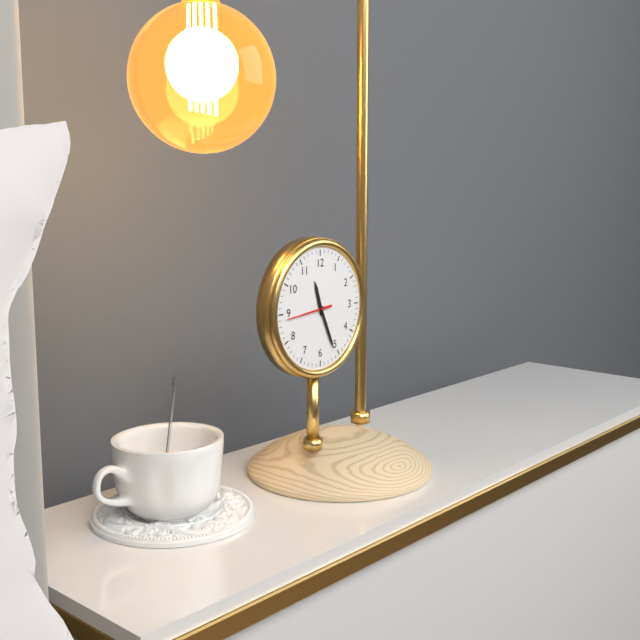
11,26
